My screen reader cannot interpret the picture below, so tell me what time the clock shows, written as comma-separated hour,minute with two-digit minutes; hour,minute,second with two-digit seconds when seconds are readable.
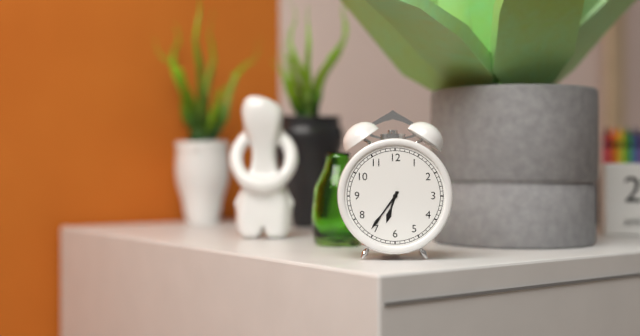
6,36
